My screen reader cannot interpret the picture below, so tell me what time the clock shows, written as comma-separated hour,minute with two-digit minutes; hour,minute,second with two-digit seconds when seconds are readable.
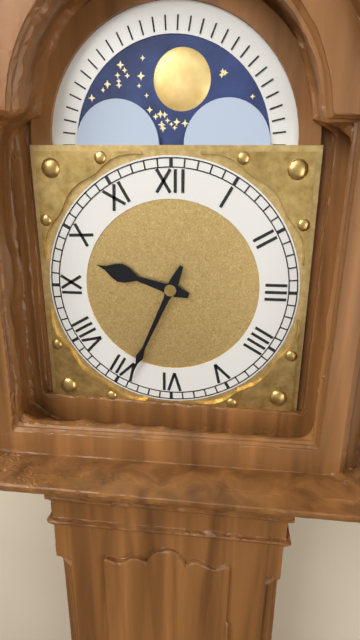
9,34
